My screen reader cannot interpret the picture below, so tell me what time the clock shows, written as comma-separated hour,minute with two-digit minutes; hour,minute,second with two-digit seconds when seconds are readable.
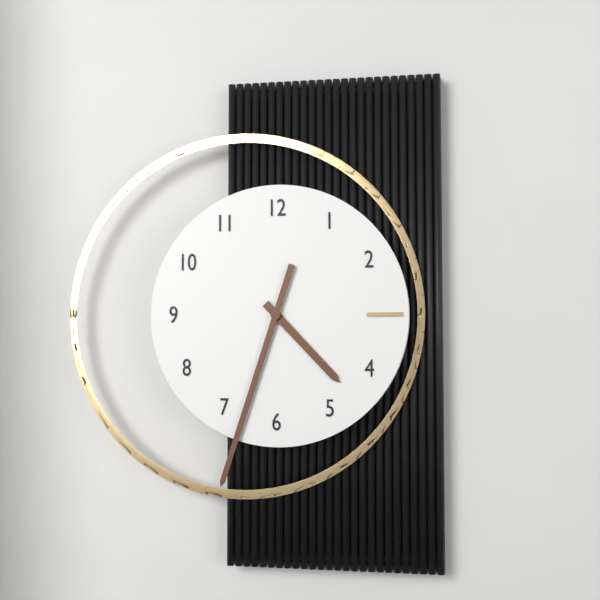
4,33
